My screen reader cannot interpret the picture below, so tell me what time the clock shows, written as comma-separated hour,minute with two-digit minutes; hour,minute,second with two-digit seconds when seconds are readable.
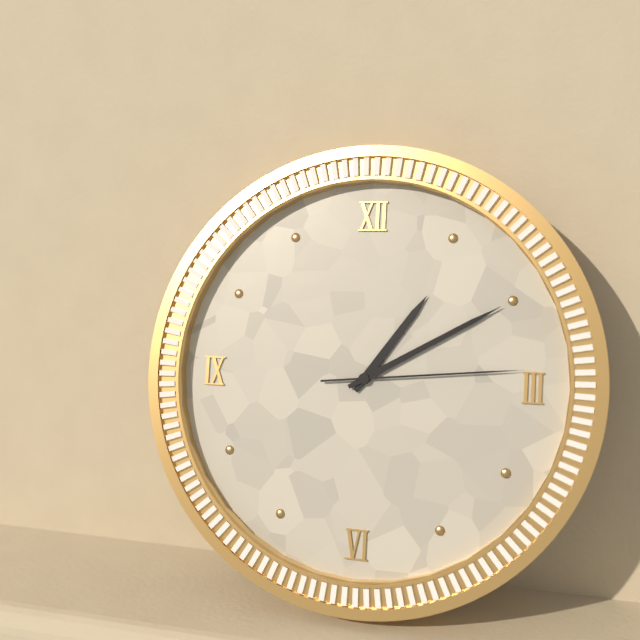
1,10,14
